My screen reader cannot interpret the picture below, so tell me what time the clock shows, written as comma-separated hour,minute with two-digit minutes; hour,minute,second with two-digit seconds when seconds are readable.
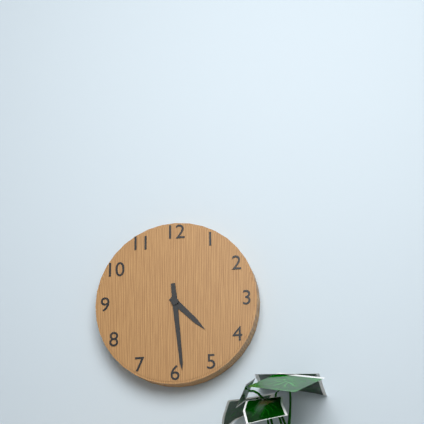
4,29
